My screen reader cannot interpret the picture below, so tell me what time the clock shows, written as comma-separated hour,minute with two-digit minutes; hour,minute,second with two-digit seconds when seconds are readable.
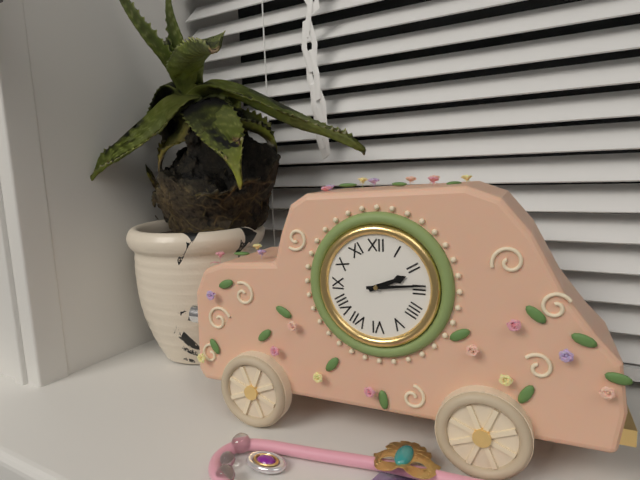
2,14
